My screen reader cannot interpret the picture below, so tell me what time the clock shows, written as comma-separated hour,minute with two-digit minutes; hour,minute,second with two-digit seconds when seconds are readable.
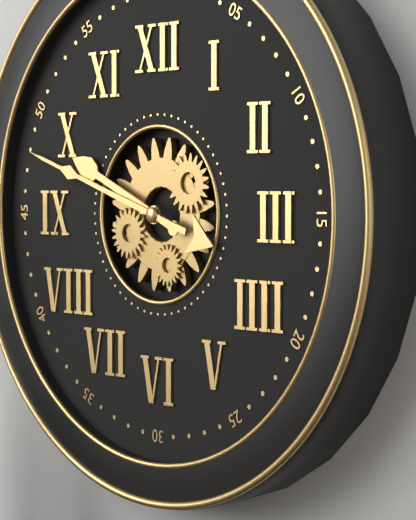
9,48
